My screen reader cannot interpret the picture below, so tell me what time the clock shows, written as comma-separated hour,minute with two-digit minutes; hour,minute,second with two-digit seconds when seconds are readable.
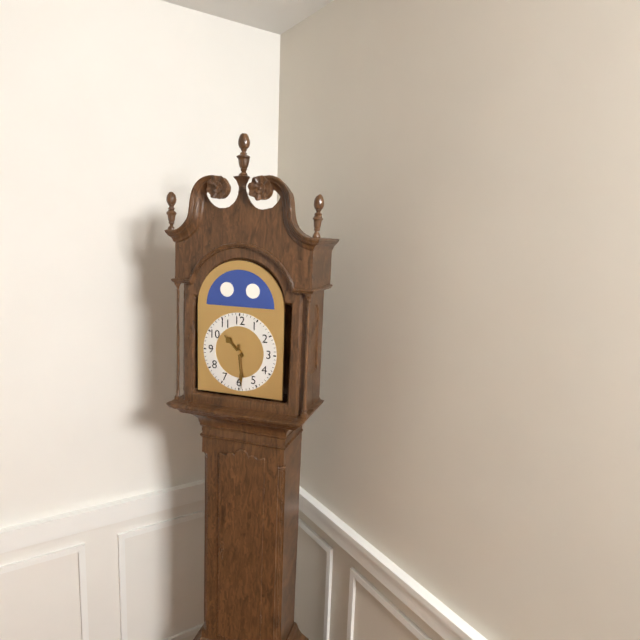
10,29
